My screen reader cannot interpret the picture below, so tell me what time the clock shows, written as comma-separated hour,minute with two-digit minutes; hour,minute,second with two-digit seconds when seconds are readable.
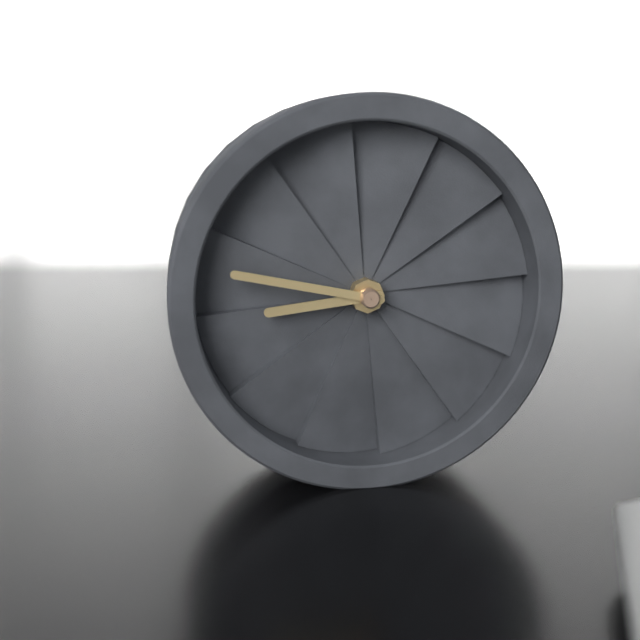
8,47
